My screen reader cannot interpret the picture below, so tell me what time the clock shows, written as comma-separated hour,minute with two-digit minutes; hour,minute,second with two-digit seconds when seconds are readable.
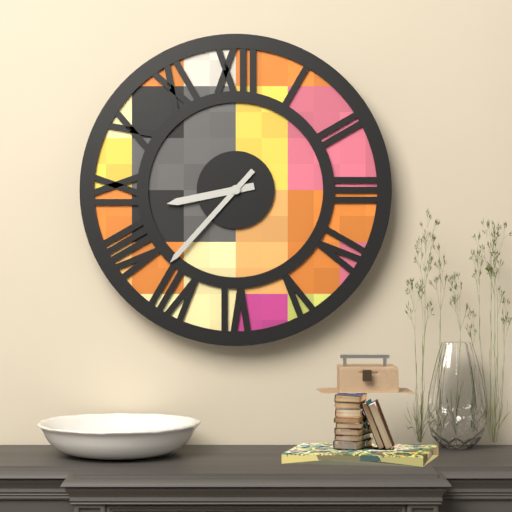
8,37
